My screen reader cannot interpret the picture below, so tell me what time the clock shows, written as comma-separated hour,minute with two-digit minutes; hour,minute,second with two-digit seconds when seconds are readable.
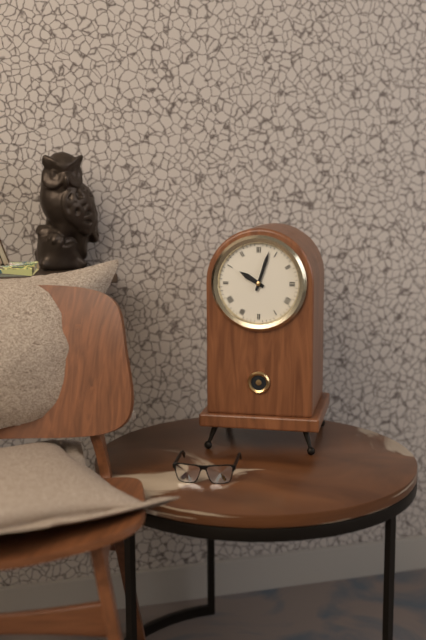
10,03
